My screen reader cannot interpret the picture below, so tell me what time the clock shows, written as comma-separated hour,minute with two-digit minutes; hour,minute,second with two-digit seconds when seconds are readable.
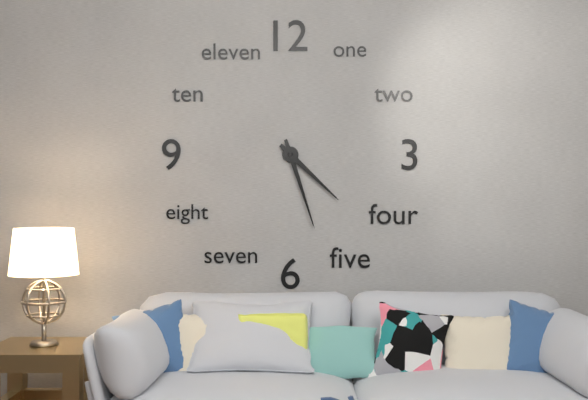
4,27
